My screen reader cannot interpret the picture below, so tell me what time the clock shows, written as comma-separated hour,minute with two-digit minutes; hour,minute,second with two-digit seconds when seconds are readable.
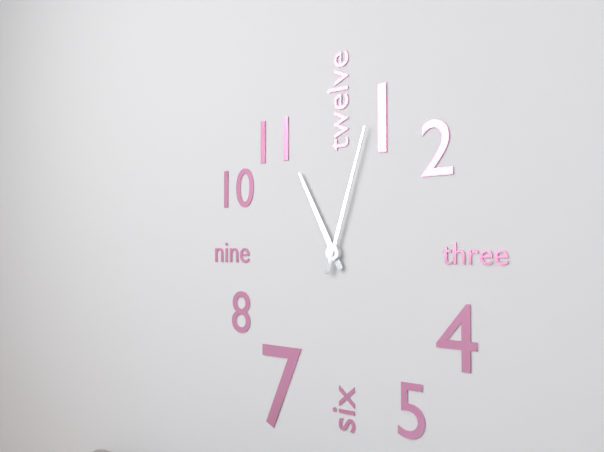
11,03
